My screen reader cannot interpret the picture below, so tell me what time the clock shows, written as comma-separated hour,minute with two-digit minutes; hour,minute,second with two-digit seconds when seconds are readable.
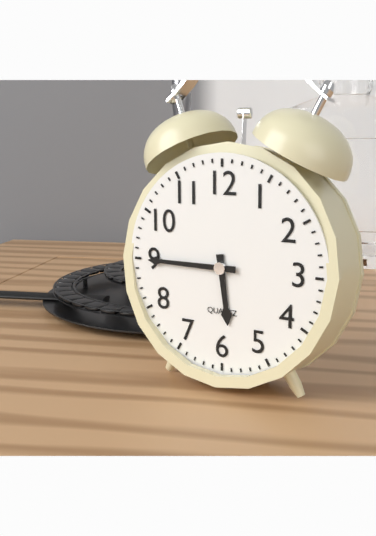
5,45
